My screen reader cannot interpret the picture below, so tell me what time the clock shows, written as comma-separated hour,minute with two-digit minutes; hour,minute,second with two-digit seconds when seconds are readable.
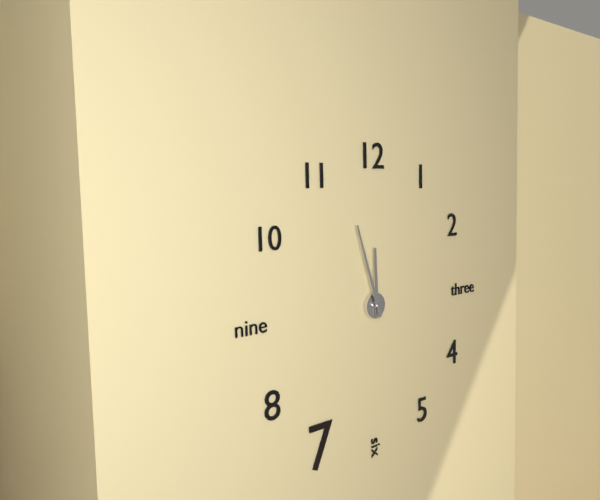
11,57
